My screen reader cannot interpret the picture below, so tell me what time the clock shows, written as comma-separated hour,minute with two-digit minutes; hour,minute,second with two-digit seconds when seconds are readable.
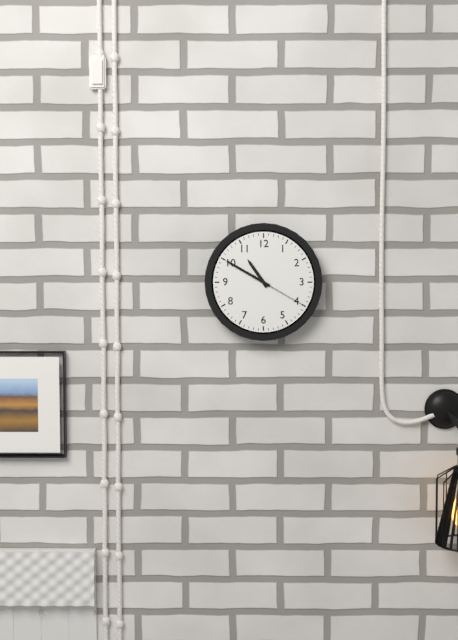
10,50,20
